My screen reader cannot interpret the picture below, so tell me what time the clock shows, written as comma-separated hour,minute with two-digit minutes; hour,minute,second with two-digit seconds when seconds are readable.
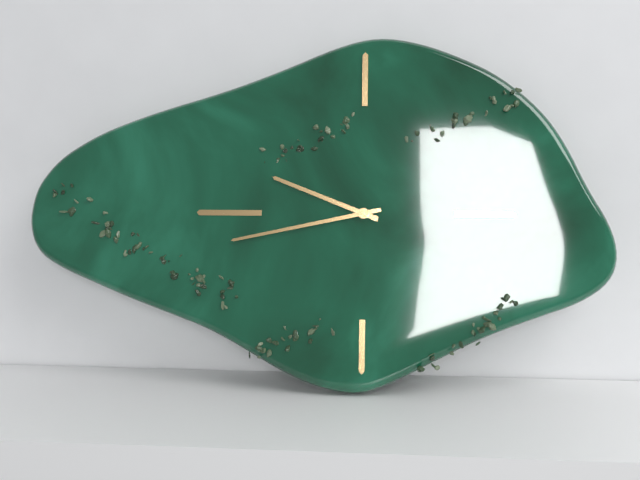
9,43
